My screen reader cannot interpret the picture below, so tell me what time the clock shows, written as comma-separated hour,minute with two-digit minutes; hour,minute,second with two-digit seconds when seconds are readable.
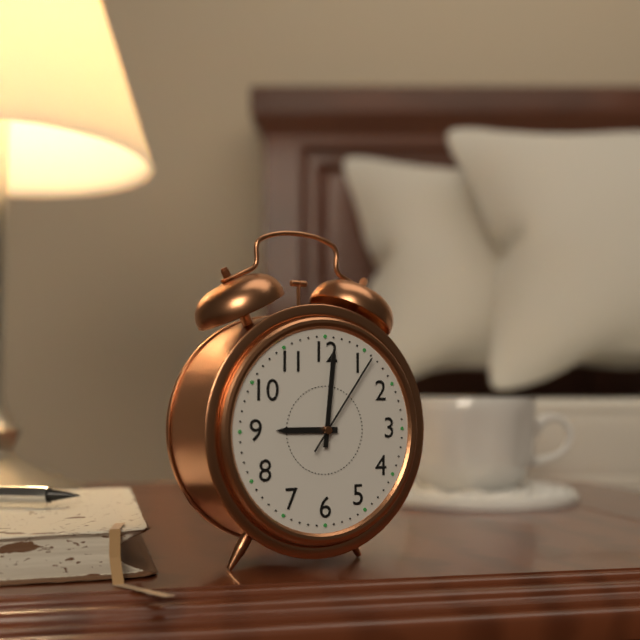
9,01,06
